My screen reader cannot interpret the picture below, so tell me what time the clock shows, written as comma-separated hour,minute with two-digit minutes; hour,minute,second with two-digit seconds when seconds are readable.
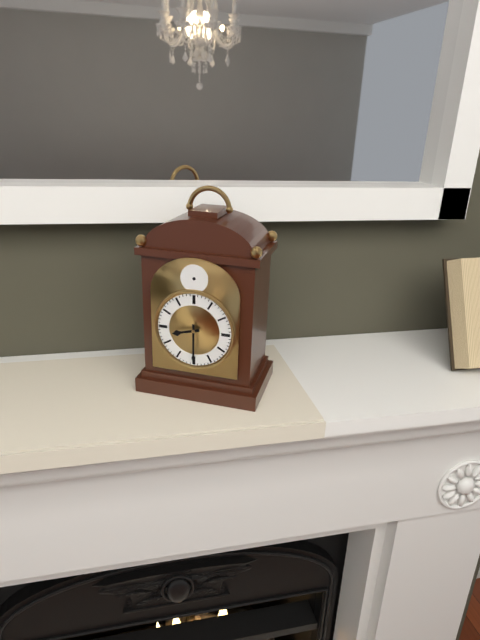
8,30
